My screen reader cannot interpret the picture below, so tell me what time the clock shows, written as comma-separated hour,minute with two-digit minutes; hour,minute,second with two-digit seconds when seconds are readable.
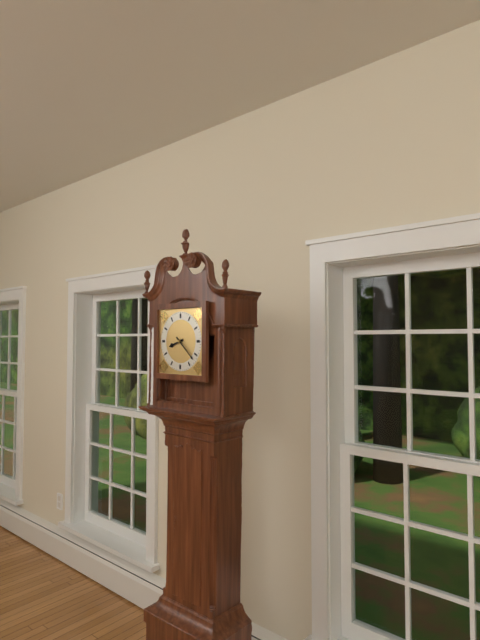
8,22
